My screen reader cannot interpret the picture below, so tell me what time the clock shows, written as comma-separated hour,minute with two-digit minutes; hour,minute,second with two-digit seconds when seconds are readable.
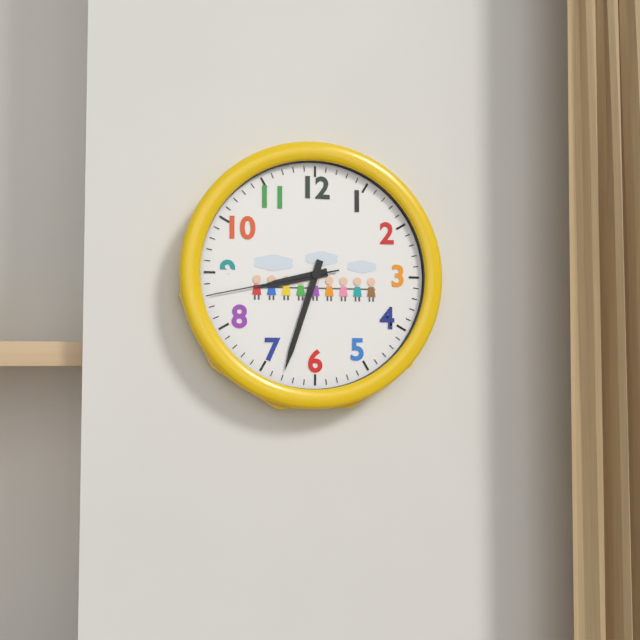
8,33,43
